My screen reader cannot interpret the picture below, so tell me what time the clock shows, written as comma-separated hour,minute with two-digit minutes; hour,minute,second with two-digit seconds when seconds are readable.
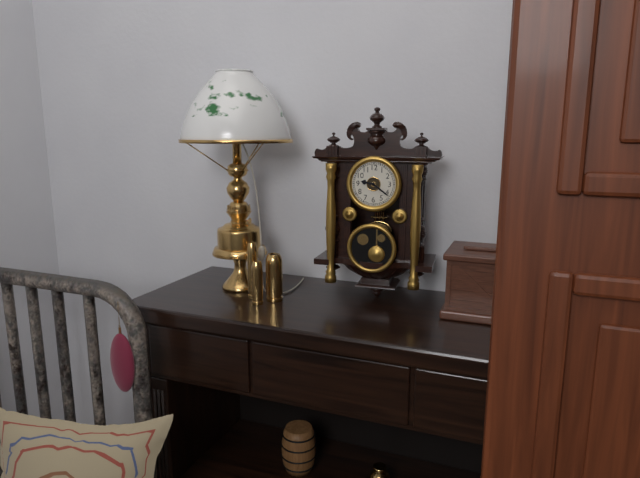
9,21
